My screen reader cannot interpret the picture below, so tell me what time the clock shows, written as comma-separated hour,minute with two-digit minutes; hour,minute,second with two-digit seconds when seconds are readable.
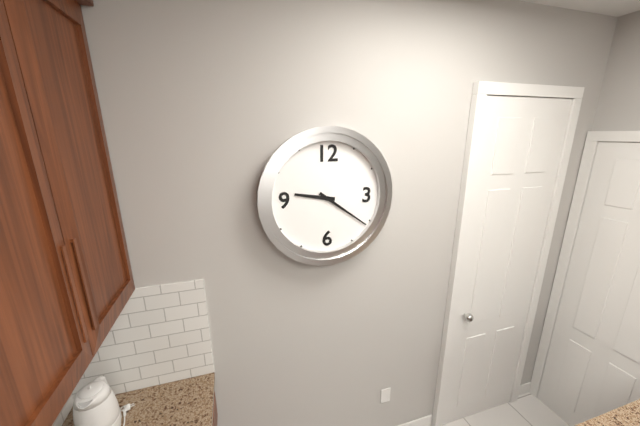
9,21
